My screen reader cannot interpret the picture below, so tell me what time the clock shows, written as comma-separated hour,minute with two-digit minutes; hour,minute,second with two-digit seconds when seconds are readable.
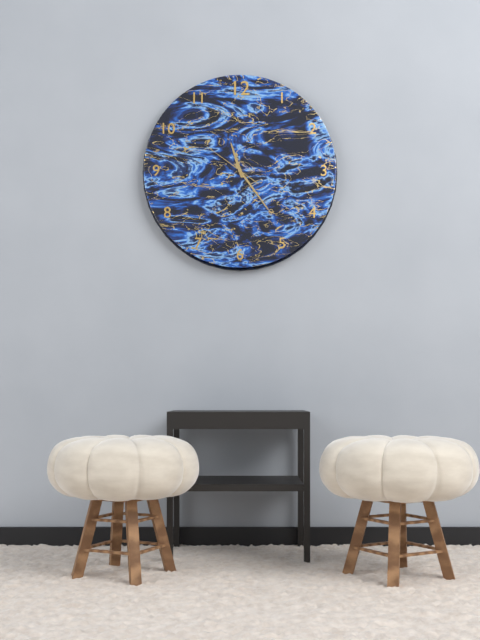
11,24,51
